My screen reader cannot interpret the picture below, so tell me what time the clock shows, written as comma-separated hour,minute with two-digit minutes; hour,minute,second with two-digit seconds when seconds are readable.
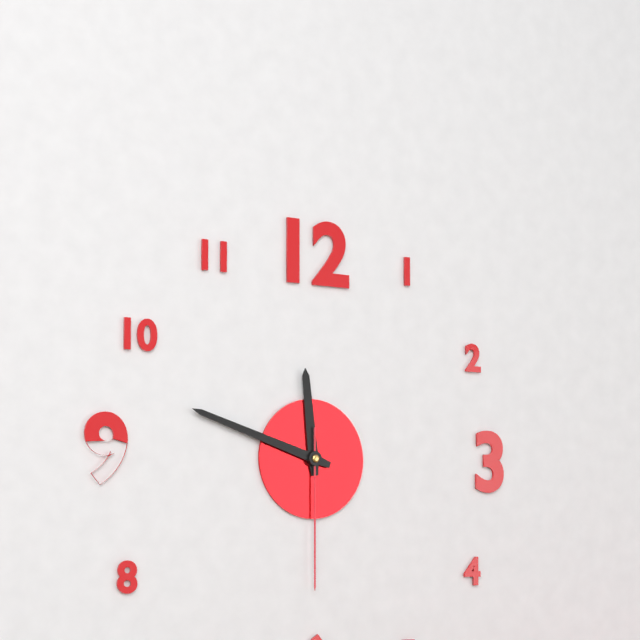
11,48,30
